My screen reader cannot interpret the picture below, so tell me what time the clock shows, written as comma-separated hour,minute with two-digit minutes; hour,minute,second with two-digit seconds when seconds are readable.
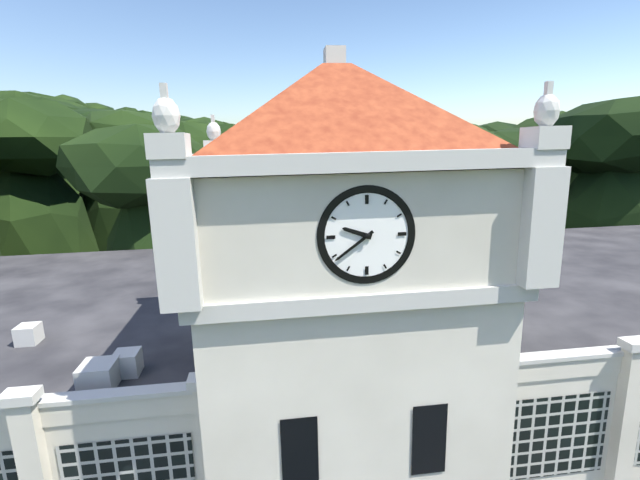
9,39
